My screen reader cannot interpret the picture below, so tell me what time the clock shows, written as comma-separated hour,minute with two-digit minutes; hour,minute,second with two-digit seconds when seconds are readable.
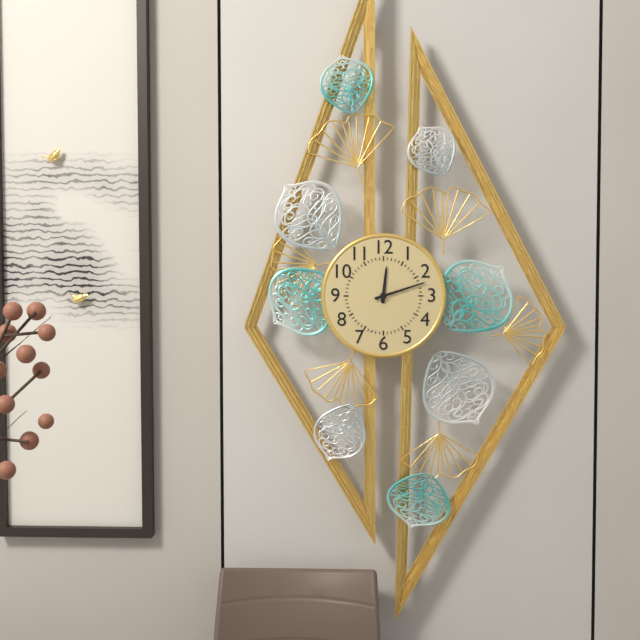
12,12
